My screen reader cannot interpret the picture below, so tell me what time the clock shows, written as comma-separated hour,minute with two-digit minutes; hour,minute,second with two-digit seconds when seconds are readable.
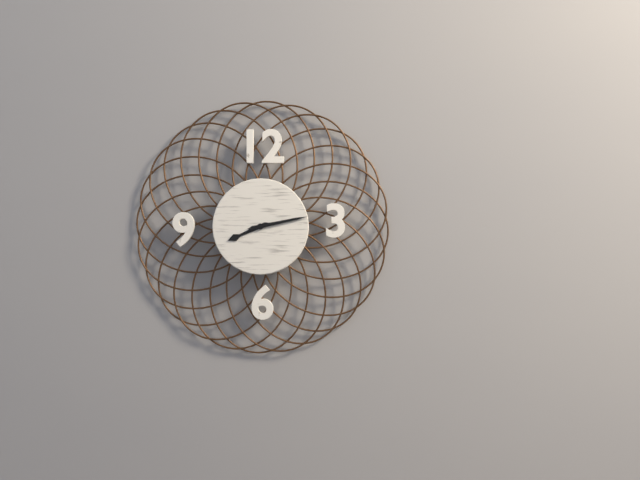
8,13
